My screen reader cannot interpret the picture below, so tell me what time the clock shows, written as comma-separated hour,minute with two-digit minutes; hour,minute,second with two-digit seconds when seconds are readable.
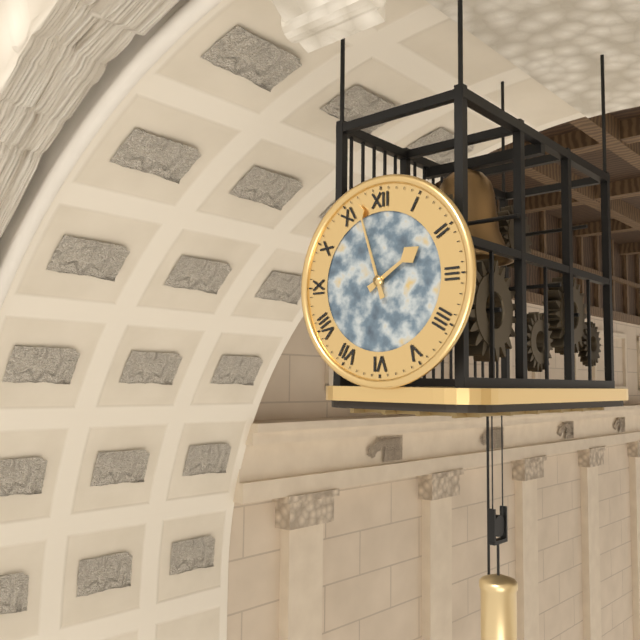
1,57
